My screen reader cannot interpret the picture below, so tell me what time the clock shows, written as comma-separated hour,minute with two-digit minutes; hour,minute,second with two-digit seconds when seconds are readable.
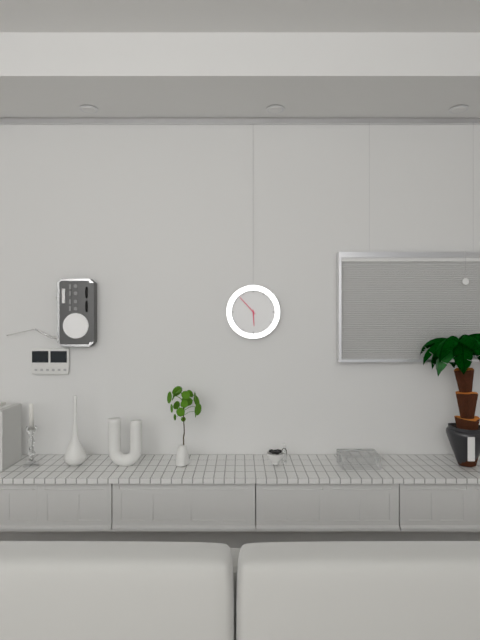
5,53
